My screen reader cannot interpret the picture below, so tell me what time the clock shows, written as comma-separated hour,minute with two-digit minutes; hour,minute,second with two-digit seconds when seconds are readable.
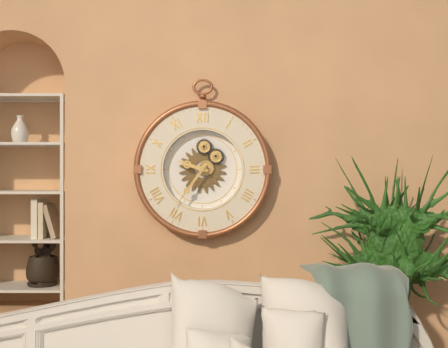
9,36
